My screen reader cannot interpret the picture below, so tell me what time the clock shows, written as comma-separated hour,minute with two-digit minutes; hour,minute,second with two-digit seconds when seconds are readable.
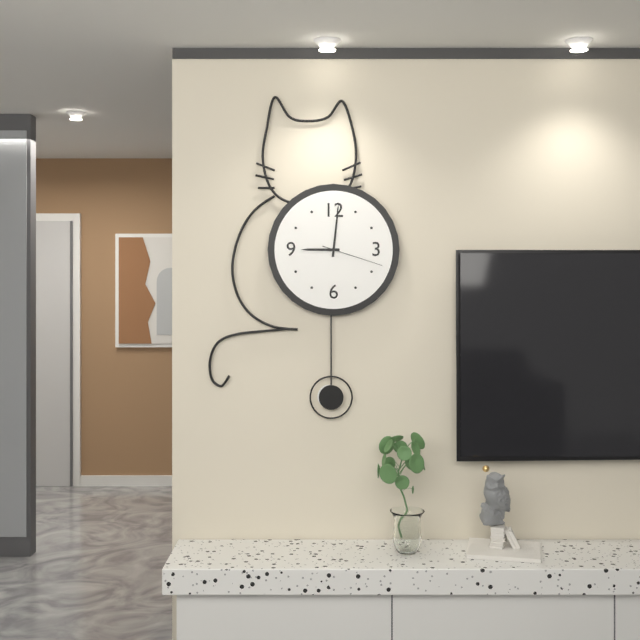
9,01,18
